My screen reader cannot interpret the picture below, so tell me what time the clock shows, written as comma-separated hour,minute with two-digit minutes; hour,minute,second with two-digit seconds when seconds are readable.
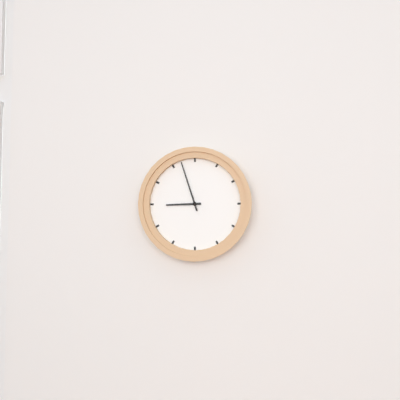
8,57
